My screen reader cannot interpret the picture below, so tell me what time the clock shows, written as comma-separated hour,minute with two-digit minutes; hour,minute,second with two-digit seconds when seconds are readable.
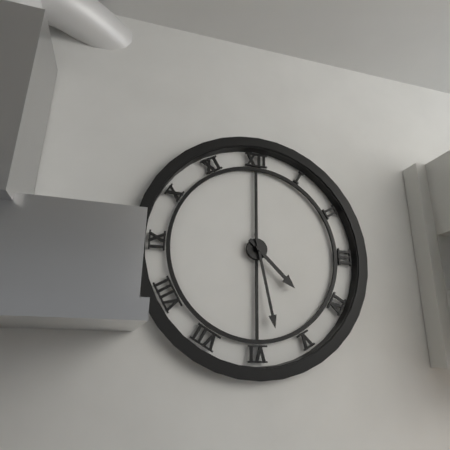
4,28
